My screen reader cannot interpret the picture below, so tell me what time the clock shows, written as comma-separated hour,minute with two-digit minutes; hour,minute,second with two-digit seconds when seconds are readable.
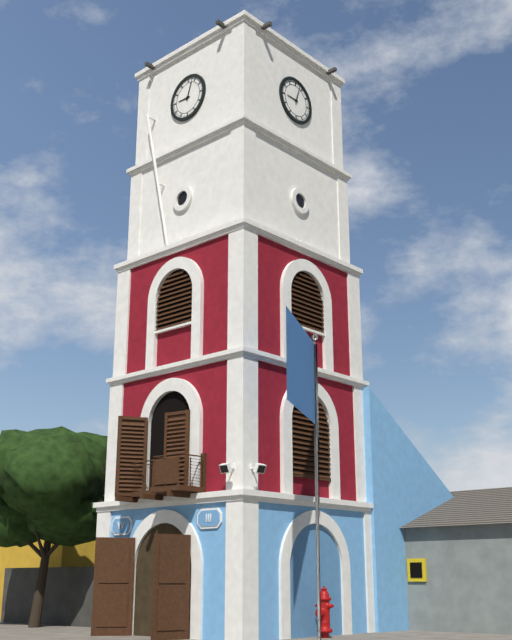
9,03
